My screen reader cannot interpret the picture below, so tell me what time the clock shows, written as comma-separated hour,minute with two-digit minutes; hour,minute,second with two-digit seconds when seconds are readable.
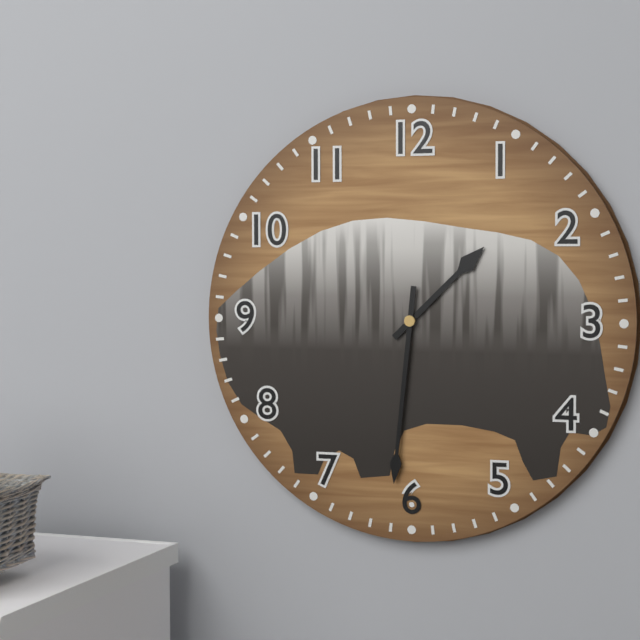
1,31
